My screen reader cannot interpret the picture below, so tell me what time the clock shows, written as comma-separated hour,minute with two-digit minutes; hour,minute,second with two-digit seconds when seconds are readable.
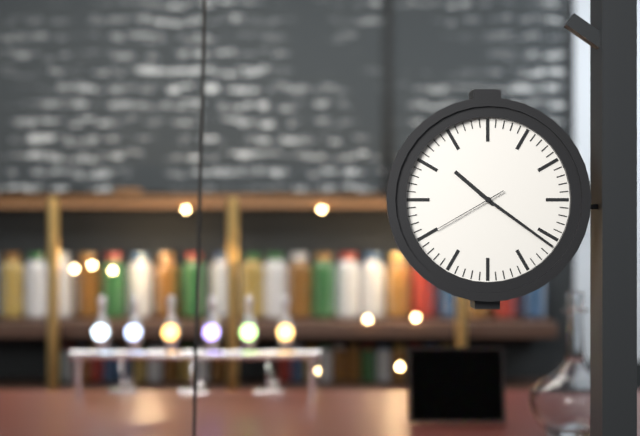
10,21,40
